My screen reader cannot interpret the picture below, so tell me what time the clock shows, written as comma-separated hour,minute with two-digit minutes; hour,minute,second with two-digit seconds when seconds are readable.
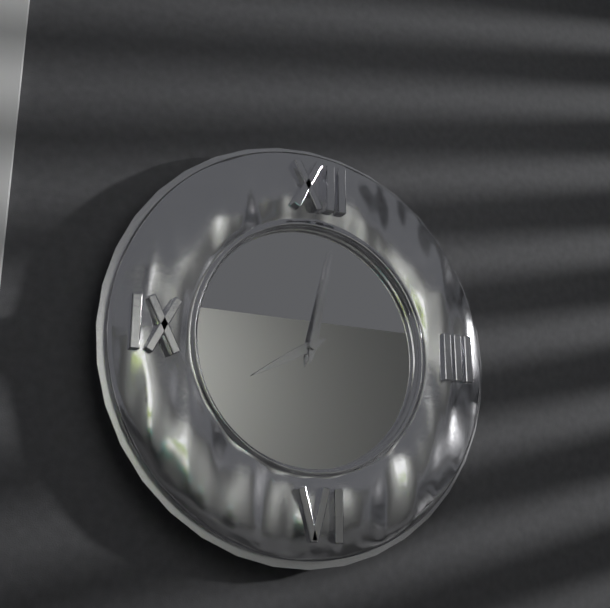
8,02
